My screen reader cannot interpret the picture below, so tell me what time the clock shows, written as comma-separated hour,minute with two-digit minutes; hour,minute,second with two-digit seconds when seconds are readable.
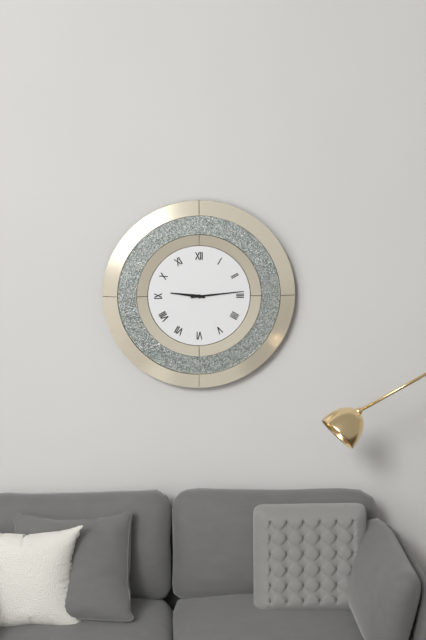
9,14
